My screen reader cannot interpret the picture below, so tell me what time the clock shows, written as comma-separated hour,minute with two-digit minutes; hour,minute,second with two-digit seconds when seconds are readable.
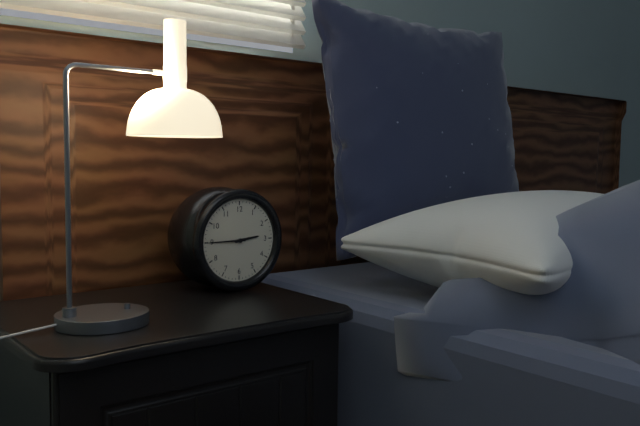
2,45
